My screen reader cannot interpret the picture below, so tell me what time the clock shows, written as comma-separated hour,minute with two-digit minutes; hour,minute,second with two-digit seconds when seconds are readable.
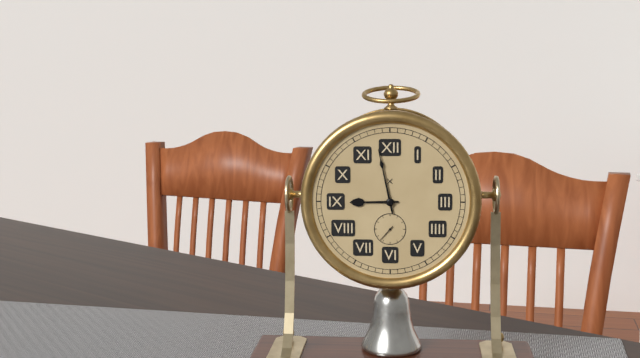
8,58
